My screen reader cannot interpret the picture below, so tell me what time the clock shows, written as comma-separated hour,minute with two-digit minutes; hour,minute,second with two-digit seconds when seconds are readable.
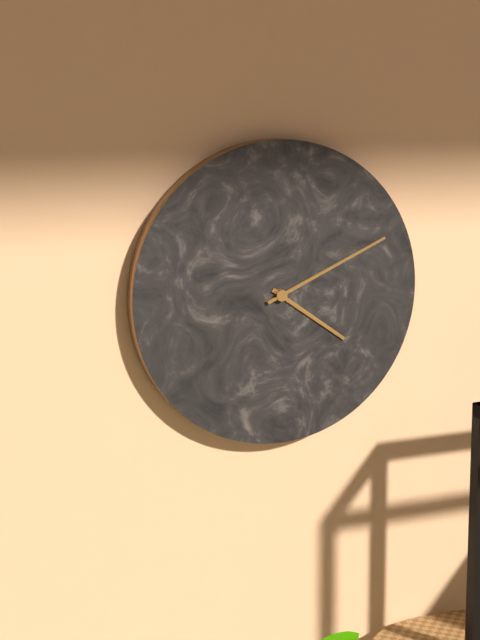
4,11
